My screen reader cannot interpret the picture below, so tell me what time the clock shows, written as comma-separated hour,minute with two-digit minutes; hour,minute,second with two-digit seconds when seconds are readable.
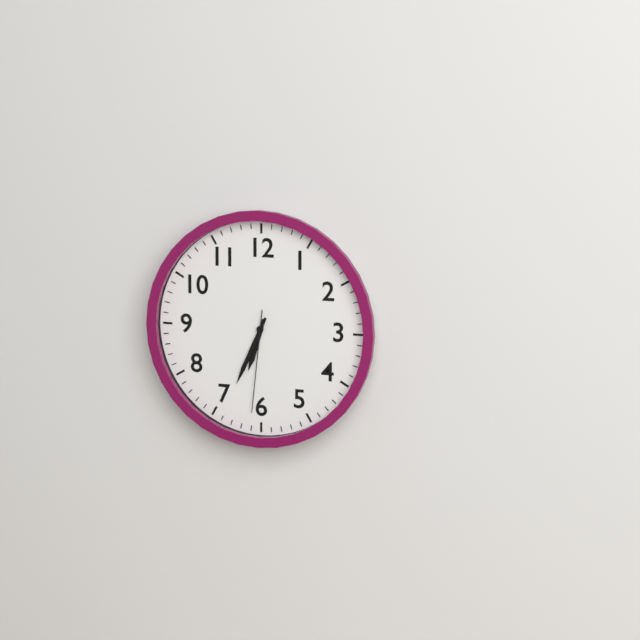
6,34,31
